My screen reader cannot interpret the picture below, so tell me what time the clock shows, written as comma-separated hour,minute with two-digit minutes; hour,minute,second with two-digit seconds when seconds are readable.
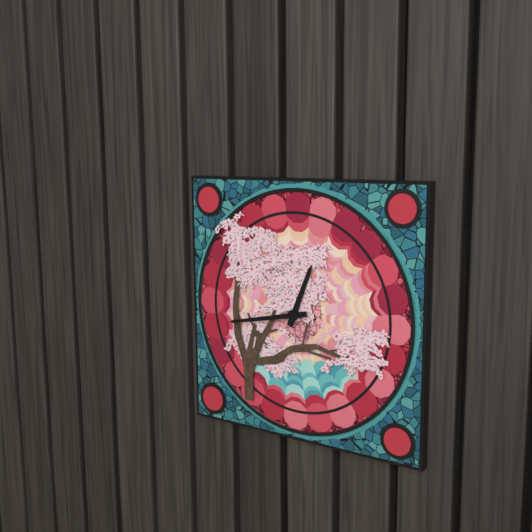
12,43
